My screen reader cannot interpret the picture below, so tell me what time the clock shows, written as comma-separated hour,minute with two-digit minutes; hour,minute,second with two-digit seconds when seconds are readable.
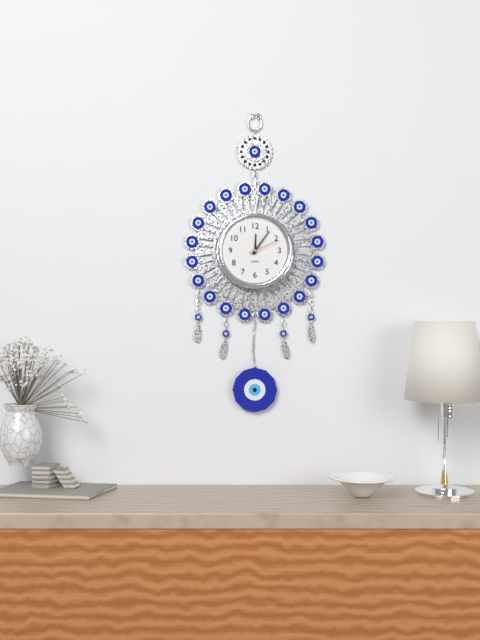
12,06
